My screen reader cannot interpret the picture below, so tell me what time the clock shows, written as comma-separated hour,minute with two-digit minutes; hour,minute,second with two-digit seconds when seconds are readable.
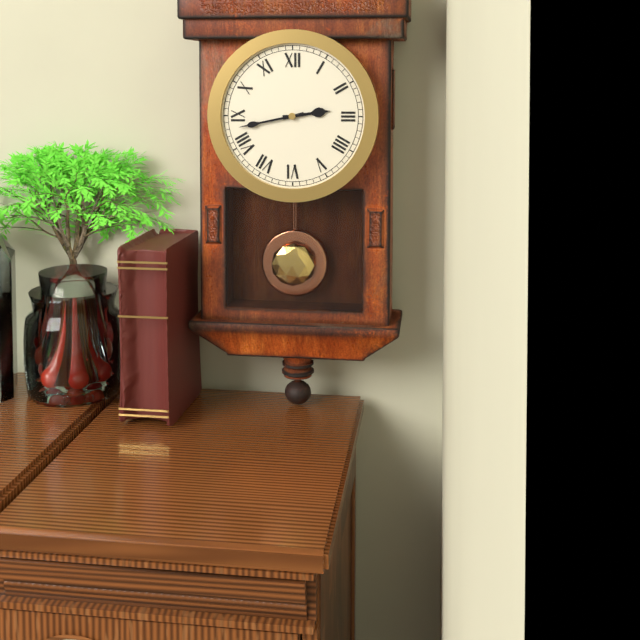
2,43
